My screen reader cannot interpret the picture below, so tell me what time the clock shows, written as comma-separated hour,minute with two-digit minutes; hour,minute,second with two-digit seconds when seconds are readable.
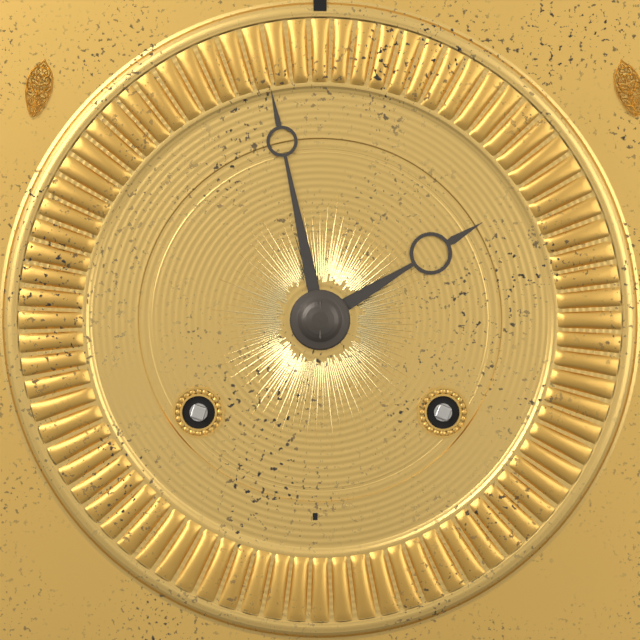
1,58
